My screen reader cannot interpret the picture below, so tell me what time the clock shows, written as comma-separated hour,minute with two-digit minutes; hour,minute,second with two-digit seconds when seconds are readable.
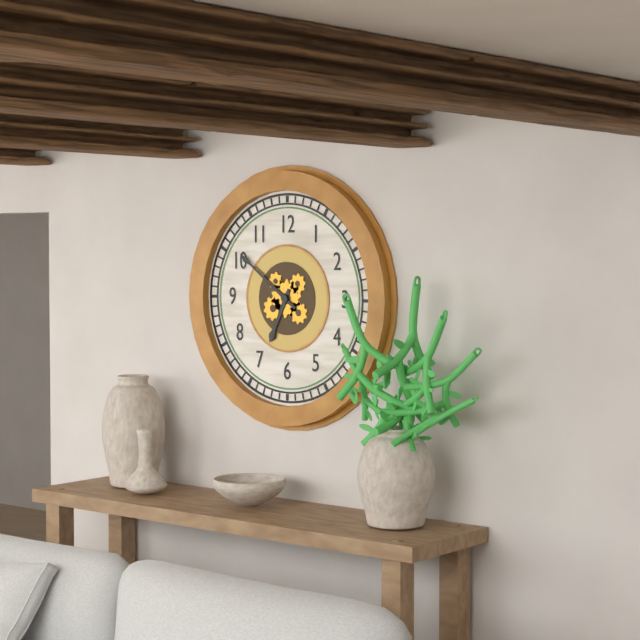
6,51
